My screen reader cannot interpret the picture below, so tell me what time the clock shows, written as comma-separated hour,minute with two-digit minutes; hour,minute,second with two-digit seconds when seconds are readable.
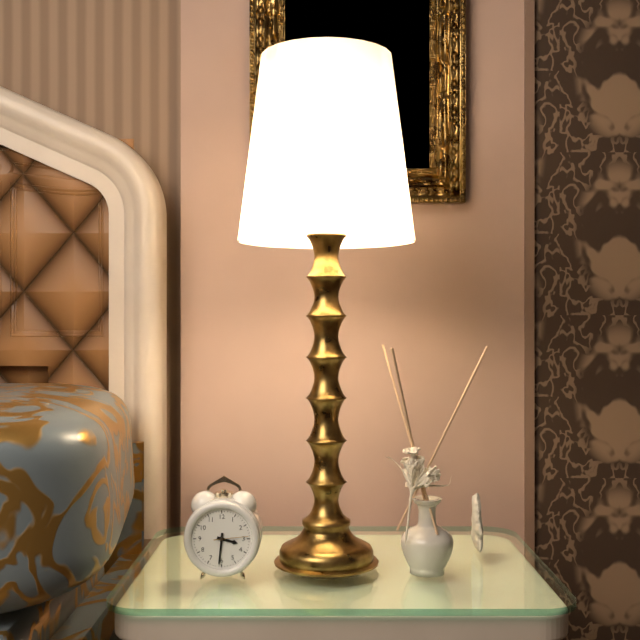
3,31
